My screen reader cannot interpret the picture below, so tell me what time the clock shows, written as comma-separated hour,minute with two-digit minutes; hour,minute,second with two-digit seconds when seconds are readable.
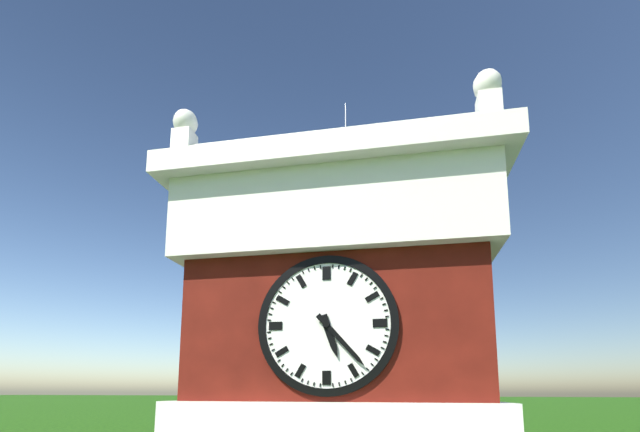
5,23
